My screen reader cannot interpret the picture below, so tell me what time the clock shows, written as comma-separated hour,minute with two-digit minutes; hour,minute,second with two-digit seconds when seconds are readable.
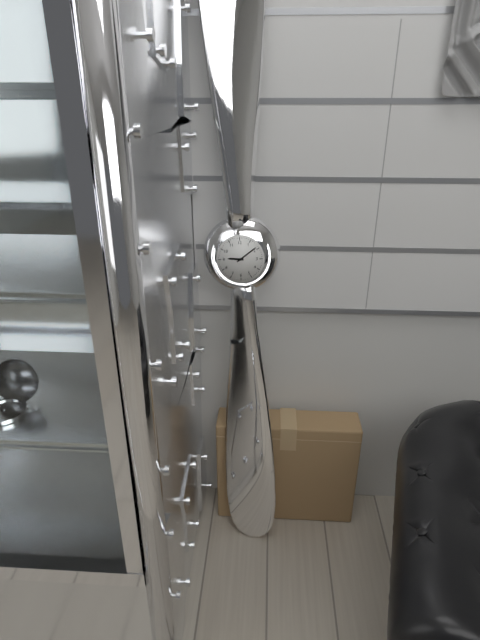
9,09
